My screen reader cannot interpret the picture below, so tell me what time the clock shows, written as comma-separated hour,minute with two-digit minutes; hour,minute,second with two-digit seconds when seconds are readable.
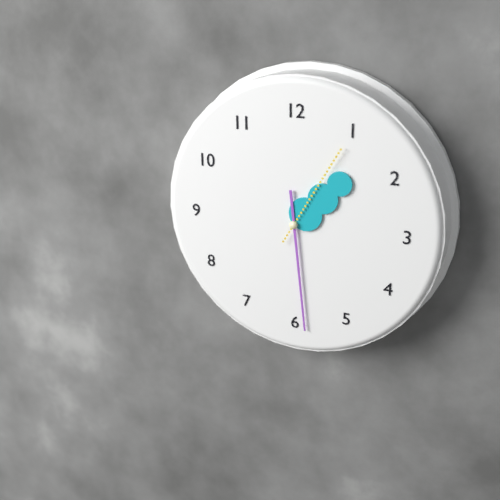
1,29,05
